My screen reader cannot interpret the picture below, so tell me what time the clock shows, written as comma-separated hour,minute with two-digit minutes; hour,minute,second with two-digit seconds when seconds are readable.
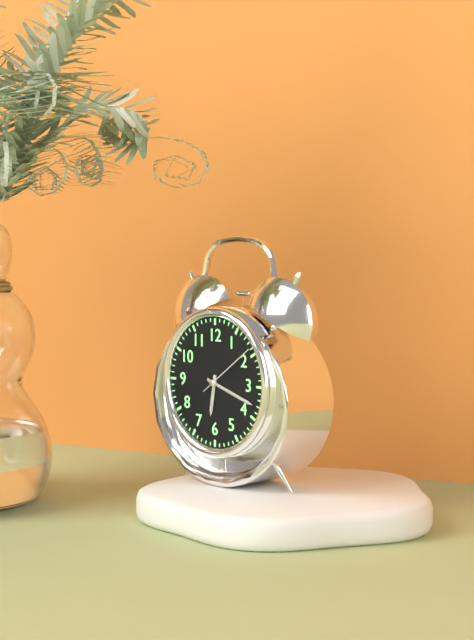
6,18,09
